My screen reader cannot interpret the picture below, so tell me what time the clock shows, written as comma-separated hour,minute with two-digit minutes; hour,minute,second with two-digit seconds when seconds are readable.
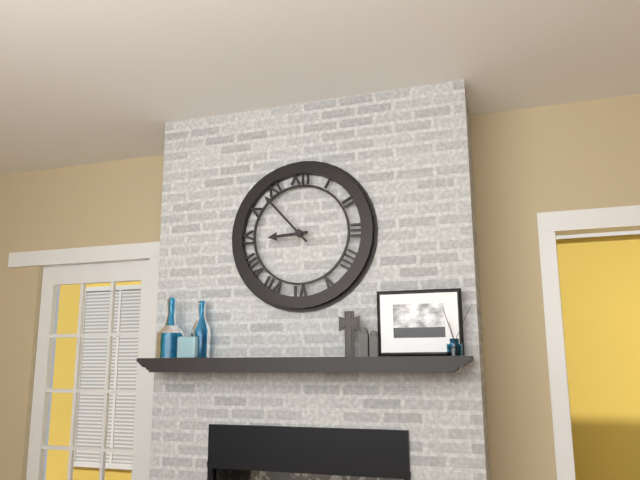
8,53
